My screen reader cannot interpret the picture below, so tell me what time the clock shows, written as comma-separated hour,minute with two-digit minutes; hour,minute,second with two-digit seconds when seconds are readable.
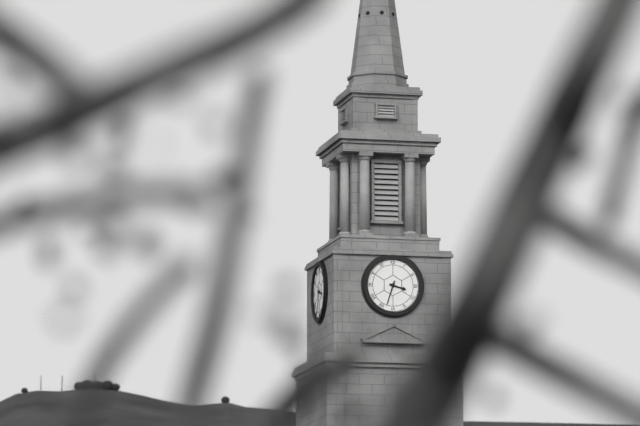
3,33
